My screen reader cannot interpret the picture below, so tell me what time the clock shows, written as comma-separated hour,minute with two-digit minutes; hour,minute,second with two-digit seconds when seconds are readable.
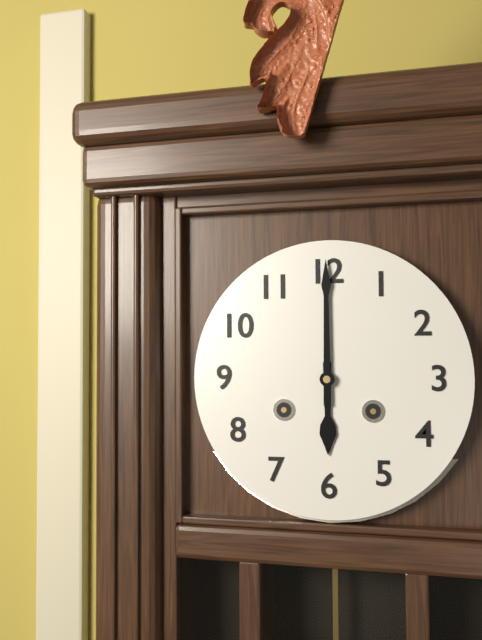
6,00
